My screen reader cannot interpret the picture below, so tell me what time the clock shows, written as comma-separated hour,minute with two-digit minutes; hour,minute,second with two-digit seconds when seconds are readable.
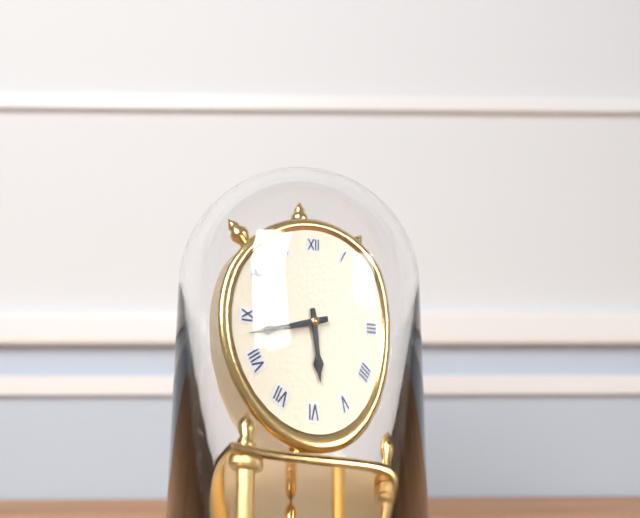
5,43
